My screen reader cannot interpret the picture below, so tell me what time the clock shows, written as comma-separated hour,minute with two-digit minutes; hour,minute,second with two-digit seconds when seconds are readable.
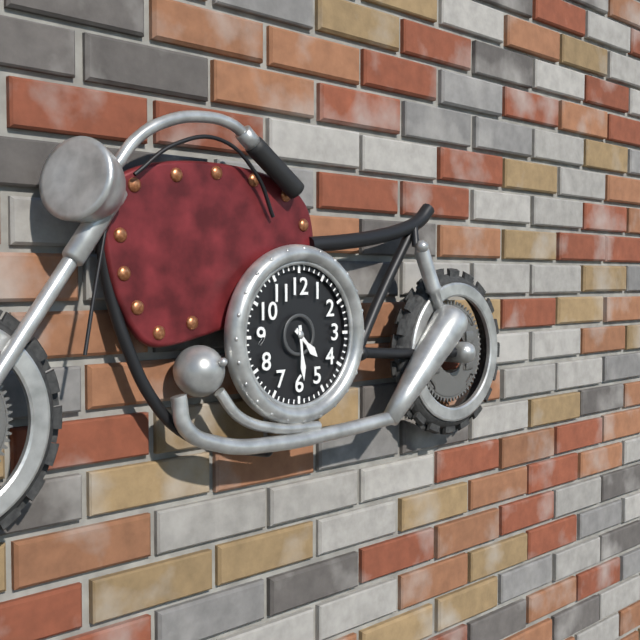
4,29
